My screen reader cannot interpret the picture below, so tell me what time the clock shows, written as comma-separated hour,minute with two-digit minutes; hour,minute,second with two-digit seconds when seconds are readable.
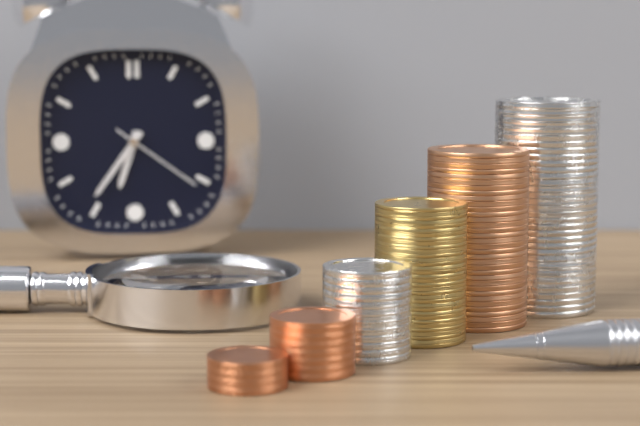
6,36,21
